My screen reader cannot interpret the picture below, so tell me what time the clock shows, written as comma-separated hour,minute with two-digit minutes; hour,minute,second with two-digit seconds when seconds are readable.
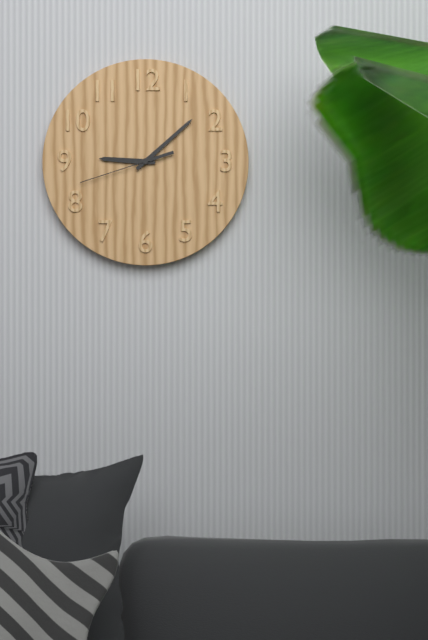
9,08,42
